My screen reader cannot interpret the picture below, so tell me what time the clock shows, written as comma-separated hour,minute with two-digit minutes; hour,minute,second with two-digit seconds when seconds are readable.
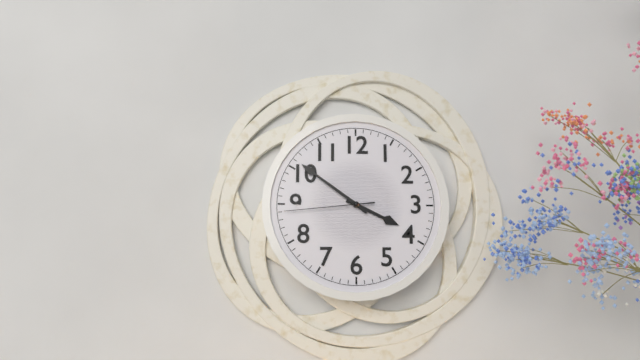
3,51,44
